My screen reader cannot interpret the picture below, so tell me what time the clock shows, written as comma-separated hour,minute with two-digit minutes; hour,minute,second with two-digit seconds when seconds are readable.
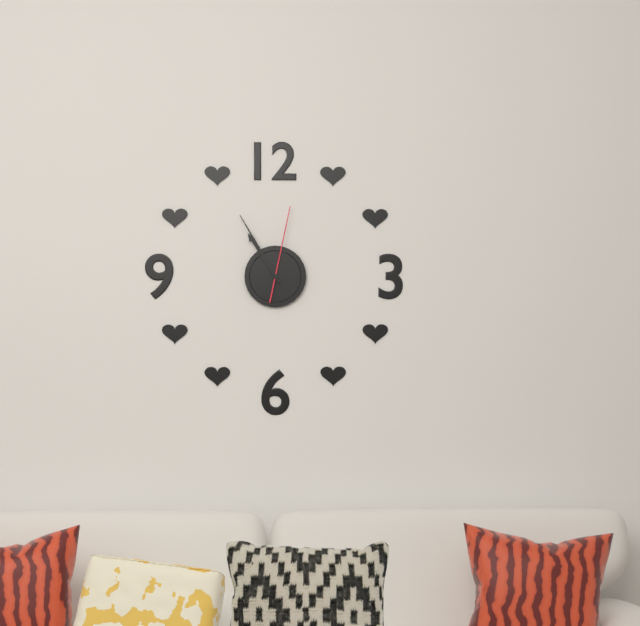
10,55,02
